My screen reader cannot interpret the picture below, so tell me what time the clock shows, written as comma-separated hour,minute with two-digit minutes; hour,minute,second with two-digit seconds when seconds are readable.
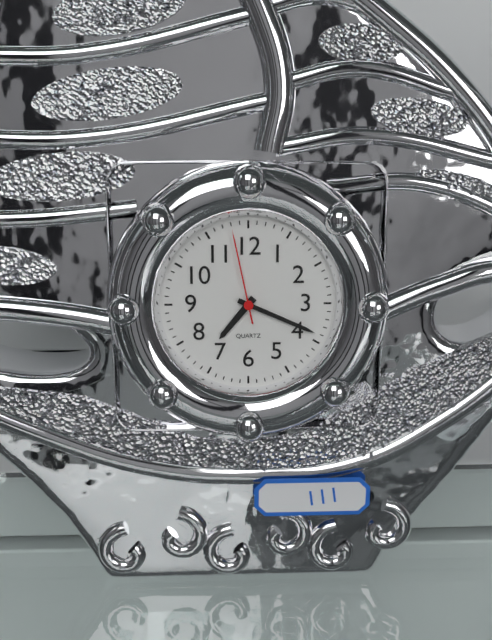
7,19,58
